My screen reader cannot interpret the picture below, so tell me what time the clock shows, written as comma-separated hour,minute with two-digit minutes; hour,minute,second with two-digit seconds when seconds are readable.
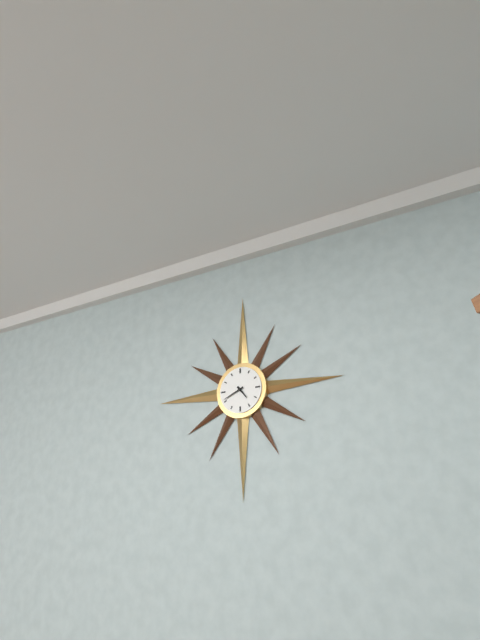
4,41
